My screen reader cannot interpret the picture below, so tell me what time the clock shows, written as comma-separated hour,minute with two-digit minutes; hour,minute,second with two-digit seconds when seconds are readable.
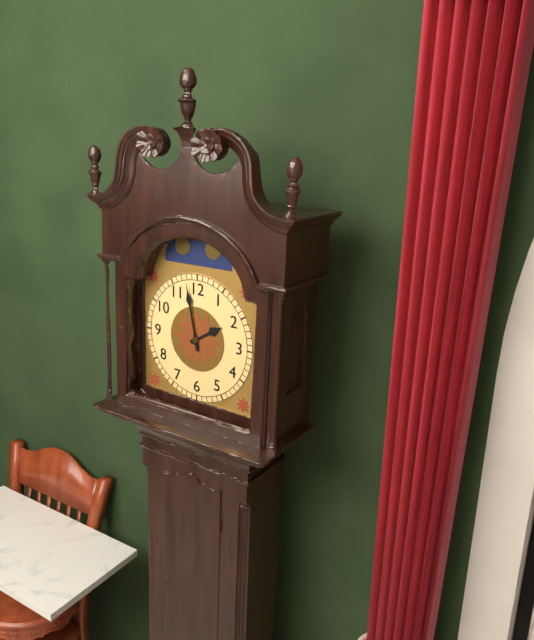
1,58
